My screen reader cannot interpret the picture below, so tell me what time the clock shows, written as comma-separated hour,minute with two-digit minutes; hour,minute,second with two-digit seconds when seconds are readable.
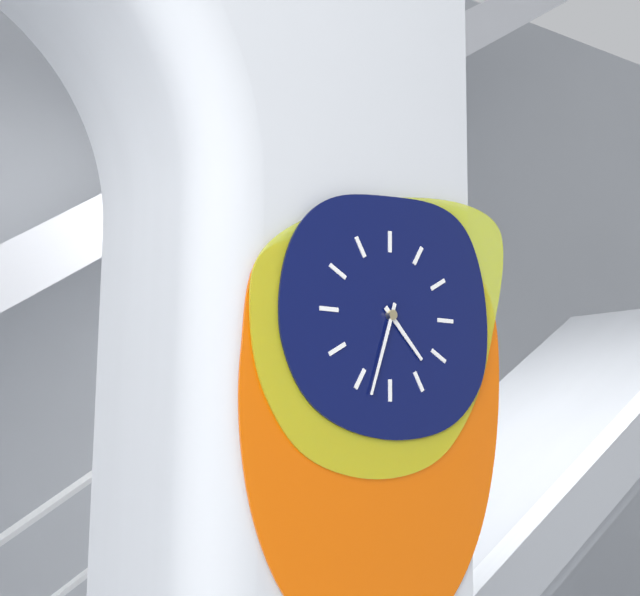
4,33
